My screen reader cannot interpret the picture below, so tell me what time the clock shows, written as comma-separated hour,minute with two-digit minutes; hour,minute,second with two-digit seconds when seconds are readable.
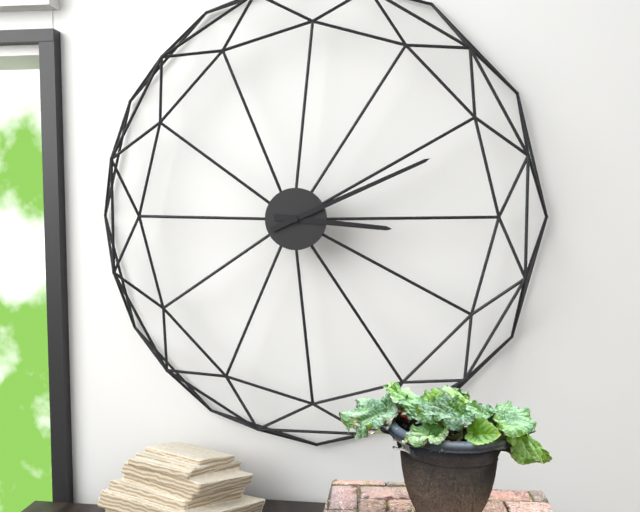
3,11
